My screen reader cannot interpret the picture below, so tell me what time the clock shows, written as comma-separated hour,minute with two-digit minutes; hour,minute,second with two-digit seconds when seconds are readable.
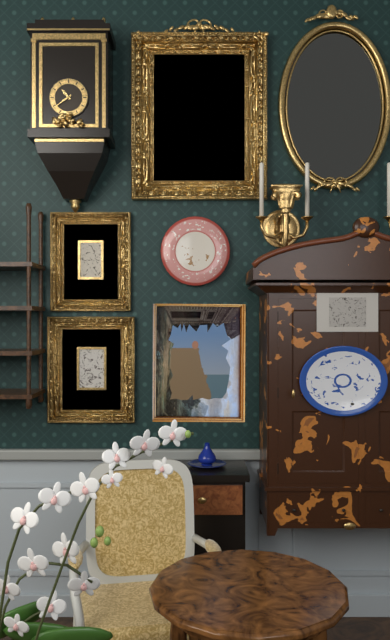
10,39
